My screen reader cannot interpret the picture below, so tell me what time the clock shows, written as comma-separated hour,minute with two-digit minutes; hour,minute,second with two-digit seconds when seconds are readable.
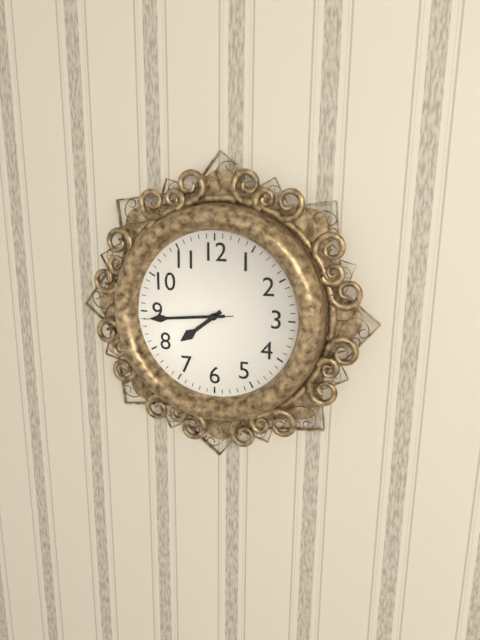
7,44,44
